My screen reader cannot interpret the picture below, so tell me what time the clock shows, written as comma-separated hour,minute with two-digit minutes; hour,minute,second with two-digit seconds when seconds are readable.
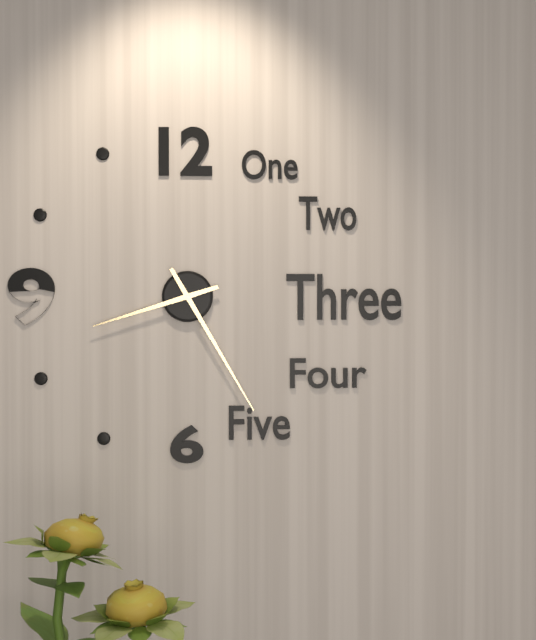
8,25
